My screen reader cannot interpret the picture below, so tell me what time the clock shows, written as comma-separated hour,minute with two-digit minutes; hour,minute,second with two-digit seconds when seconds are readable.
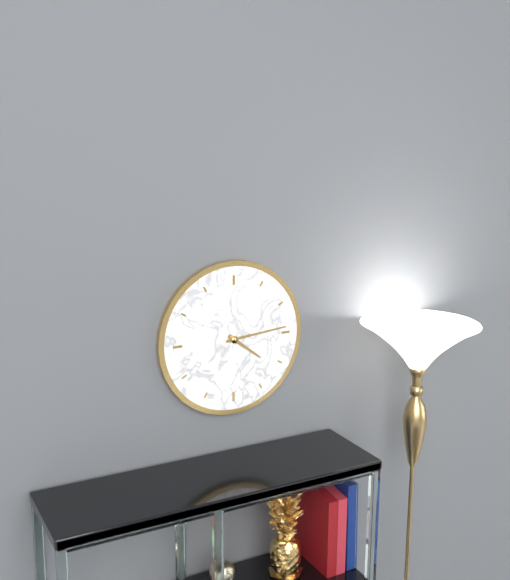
4,14
